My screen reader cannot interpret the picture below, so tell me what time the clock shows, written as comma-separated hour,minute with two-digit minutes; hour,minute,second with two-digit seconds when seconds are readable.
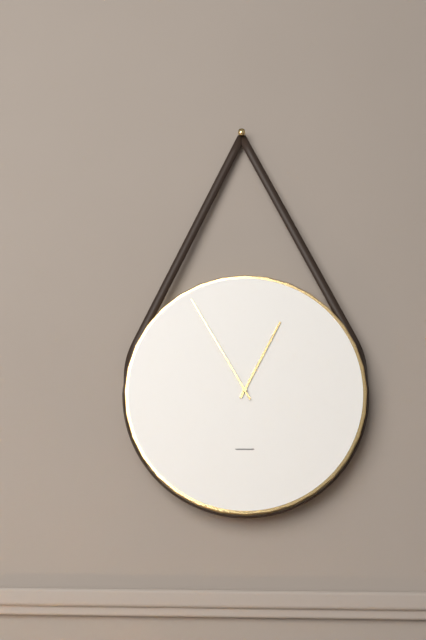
12,55
